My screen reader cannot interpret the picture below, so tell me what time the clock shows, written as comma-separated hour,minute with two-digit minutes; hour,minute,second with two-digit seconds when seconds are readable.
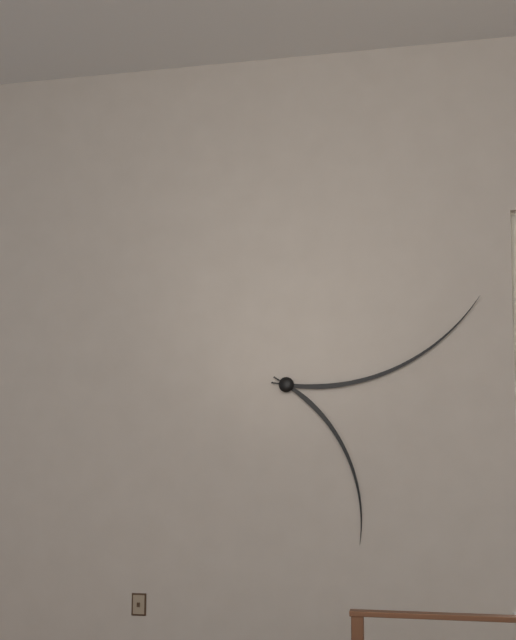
5,11
